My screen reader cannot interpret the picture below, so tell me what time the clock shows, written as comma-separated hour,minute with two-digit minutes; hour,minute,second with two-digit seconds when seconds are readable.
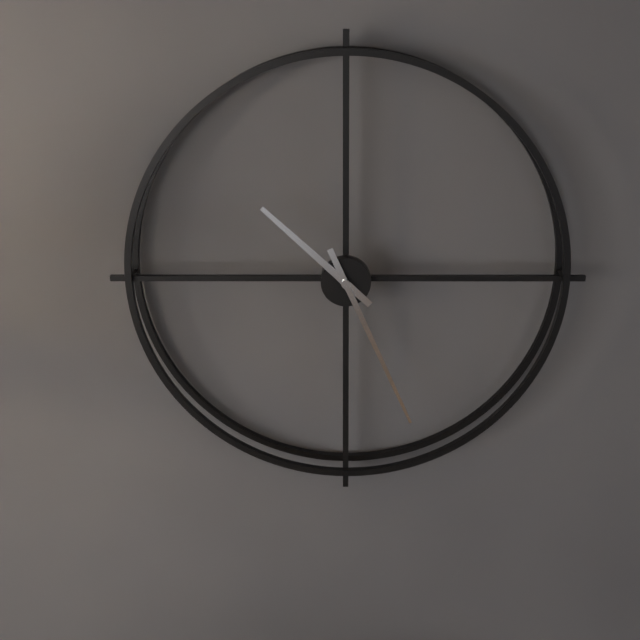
10,26
